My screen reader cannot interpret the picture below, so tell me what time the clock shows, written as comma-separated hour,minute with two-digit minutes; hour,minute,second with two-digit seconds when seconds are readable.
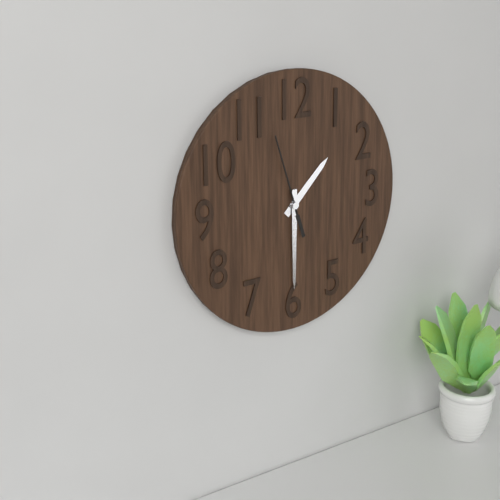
1,30,57
